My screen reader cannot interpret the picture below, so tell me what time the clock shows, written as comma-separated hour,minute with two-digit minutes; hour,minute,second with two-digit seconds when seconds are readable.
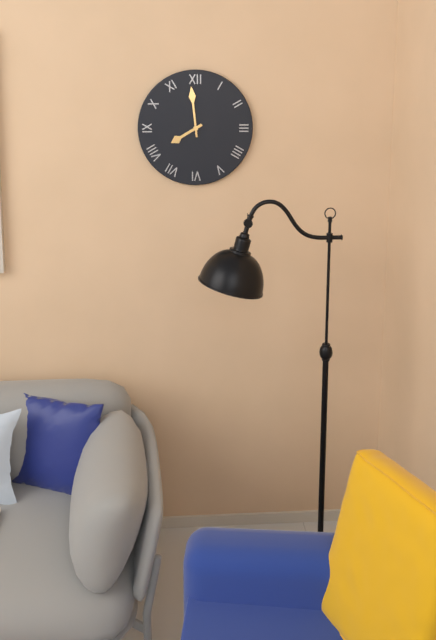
7,59
